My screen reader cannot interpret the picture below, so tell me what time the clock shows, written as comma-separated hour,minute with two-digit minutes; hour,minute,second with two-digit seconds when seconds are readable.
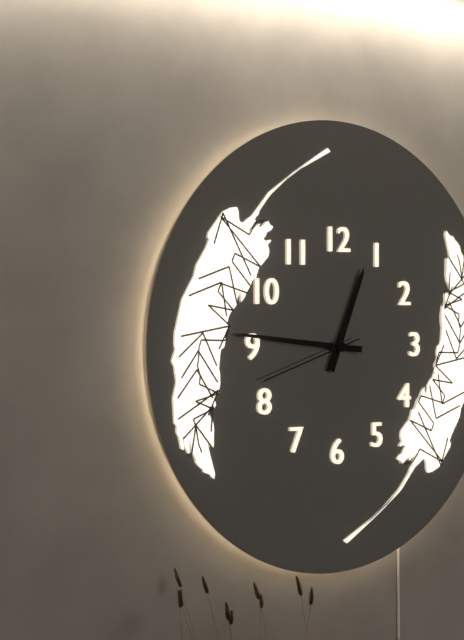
12,46,42
